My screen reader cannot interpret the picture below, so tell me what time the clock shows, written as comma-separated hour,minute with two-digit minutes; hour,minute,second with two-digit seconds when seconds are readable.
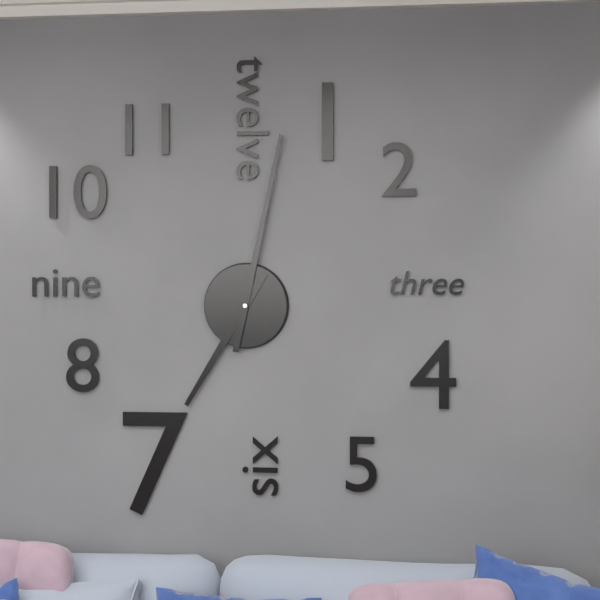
7,02
